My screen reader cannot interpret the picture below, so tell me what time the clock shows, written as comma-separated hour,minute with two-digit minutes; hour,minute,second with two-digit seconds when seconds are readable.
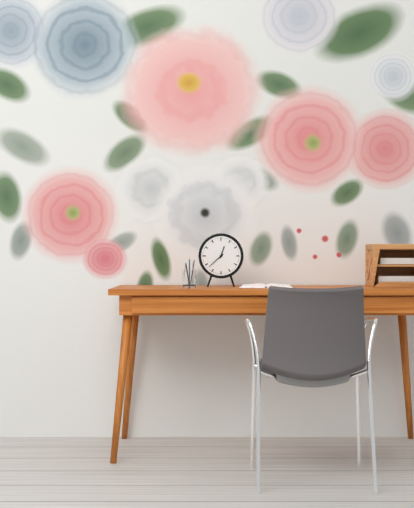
12,38
